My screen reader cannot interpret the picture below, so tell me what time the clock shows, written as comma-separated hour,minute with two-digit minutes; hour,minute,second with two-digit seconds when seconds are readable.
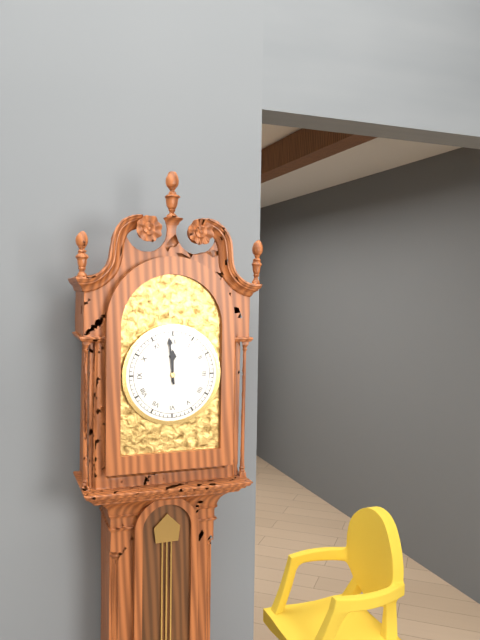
11,59
